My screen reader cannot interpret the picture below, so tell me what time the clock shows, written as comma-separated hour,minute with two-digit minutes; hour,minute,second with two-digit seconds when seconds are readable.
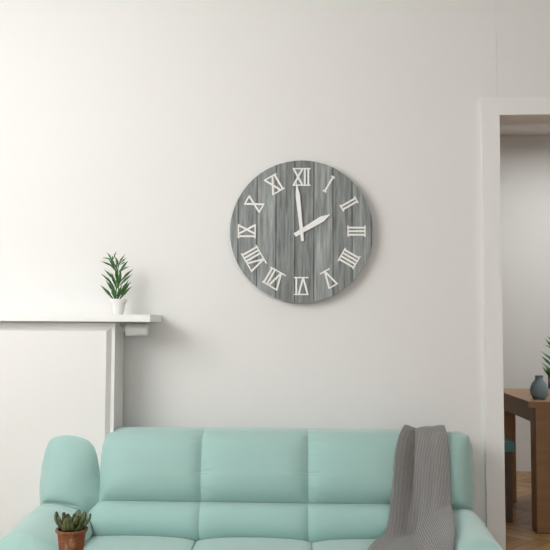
1,59
